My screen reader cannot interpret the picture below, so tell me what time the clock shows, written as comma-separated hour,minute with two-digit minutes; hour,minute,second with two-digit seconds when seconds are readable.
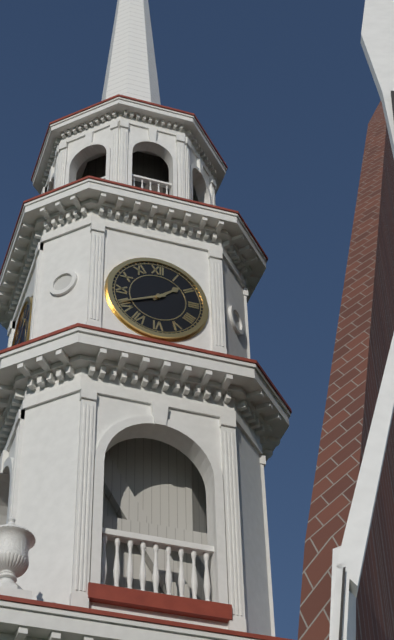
1,41
